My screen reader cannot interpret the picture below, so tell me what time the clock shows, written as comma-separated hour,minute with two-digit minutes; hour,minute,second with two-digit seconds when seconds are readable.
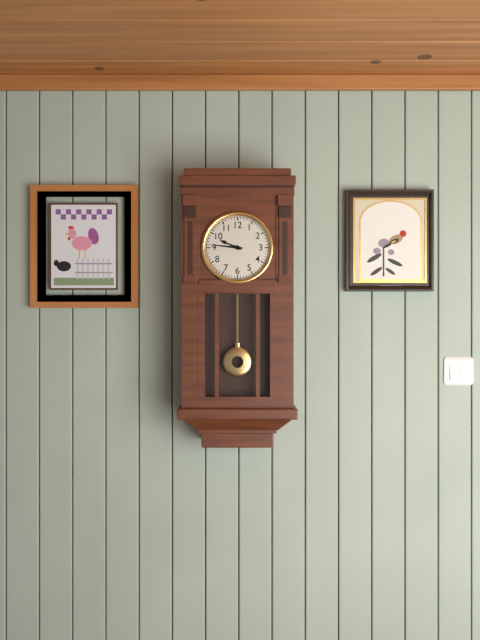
9,46
